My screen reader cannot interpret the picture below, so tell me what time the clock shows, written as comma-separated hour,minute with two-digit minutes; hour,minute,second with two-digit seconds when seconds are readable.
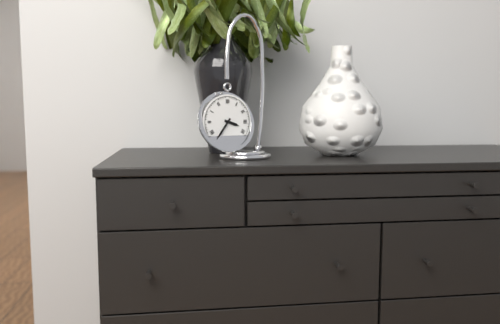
3,36
